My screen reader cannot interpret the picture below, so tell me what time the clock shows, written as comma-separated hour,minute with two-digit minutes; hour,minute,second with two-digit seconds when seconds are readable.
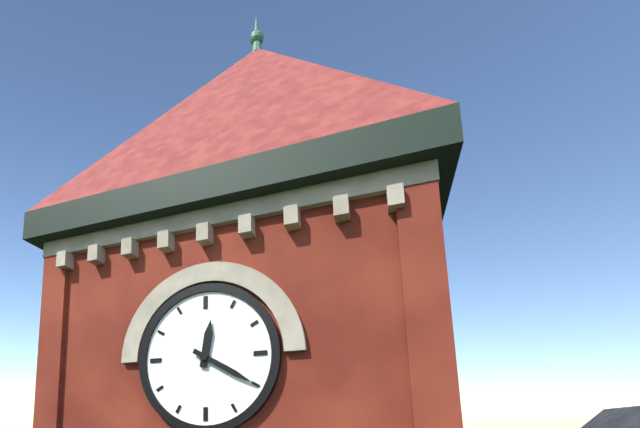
12,20
